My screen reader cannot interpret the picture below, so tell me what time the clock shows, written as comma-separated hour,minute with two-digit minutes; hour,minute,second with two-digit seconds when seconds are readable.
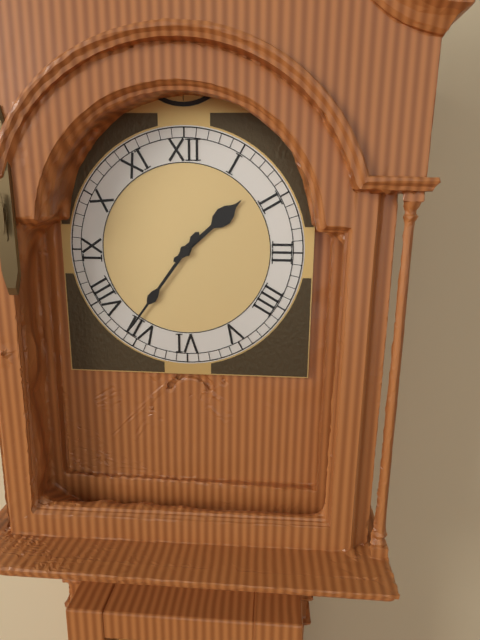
1,36
